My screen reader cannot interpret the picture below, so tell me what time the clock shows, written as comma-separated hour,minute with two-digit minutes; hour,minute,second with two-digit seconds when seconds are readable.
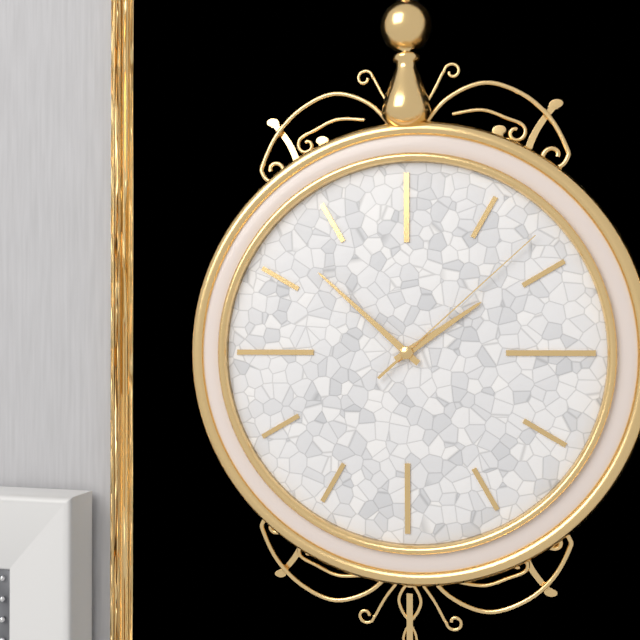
1,52,08
